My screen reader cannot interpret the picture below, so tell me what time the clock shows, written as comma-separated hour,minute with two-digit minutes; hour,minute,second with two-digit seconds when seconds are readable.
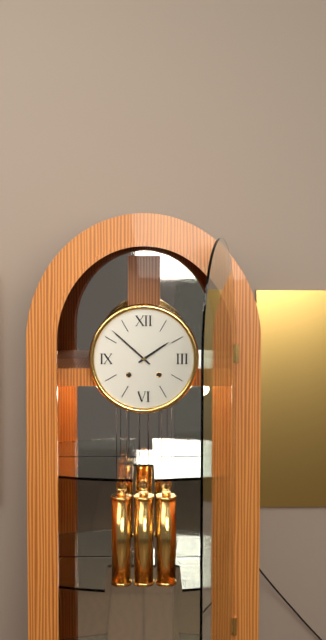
1,52
